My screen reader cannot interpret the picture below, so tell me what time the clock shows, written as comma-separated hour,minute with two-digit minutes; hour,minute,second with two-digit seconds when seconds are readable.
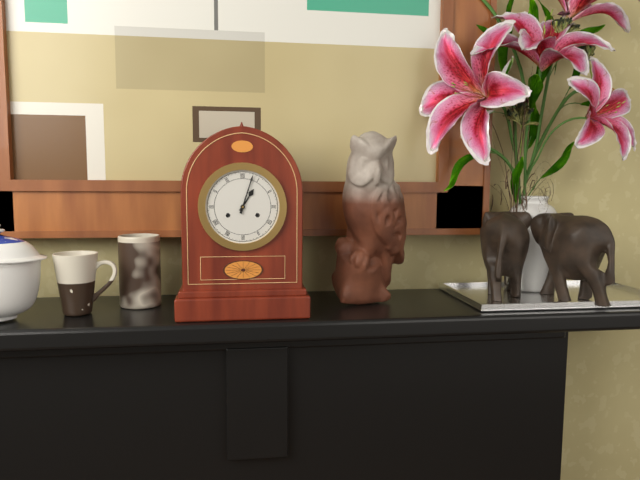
1,03
